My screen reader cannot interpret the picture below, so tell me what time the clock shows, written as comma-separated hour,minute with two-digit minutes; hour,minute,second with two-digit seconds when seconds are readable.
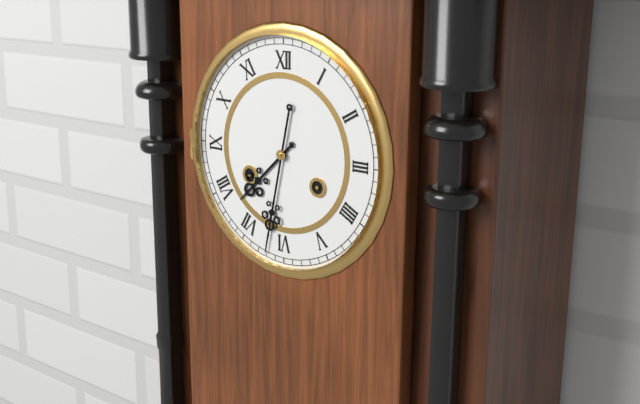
7,32
